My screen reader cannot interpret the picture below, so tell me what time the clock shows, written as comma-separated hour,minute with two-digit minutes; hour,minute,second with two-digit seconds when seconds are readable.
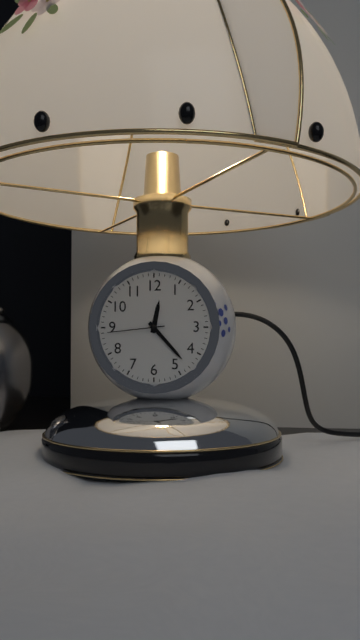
12,23,44
